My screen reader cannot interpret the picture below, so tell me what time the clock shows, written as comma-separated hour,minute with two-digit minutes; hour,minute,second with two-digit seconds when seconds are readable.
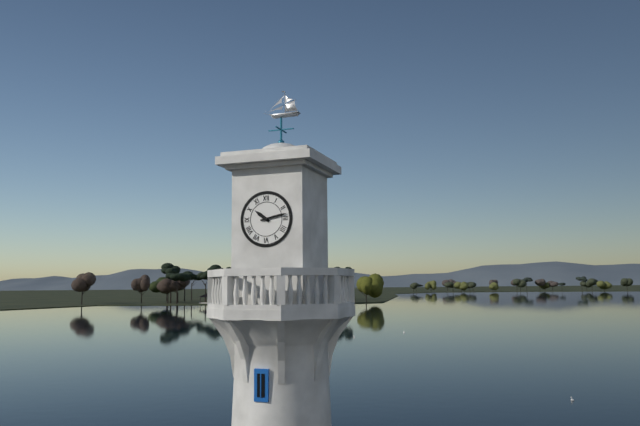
10,13
